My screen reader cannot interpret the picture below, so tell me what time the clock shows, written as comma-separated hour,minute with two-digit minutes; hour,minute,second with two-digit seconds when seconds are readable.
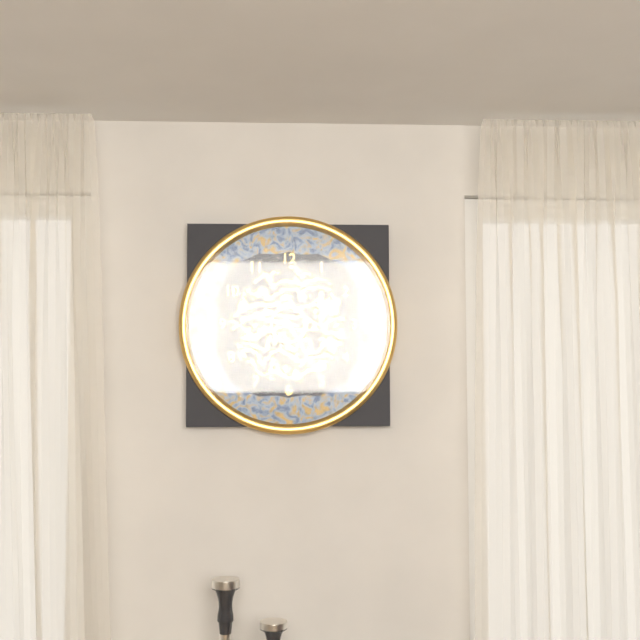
9,25
